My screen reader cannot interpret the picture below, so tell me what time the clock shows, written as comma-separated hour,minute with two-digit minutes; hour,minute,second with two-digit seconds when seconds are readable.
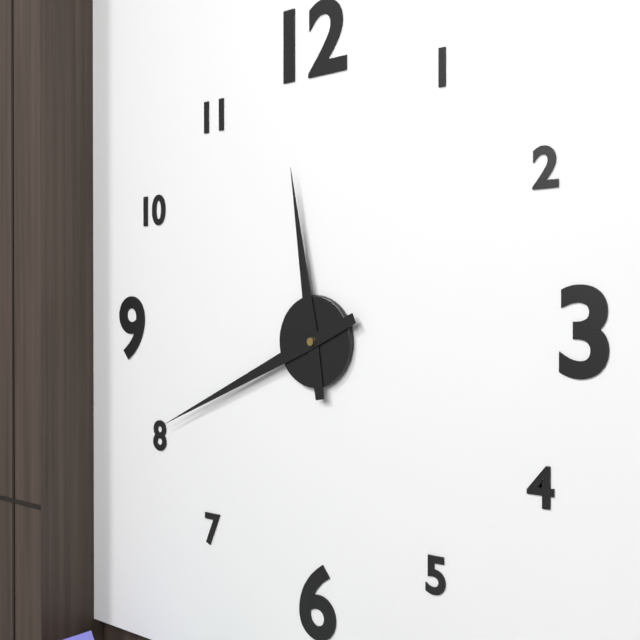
11,41
